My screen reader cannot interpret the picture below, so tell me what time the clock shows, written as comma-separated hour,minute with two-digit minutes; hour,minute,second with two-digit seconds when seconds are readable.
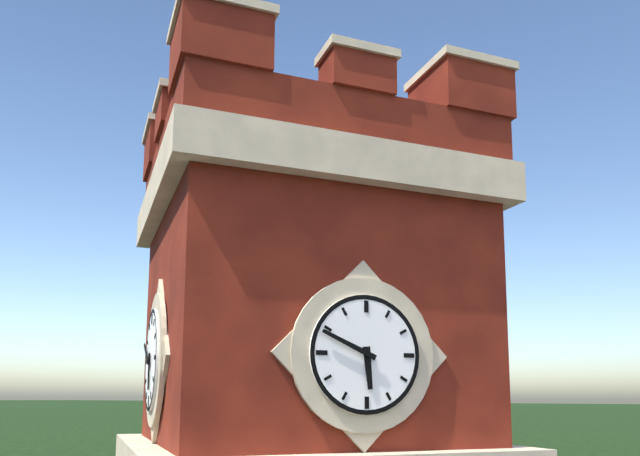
5,49
